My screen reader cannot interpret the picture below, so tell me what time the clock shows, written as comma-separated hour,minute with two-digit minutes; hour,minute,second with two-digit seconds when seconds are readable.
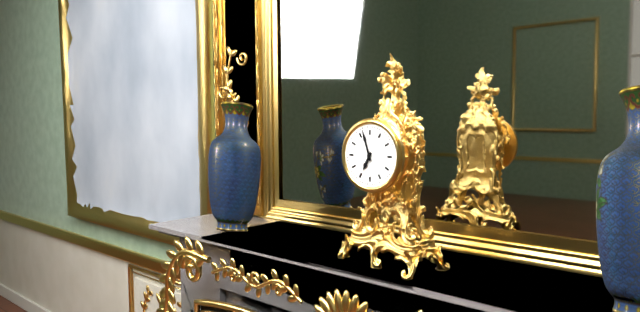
6,57
